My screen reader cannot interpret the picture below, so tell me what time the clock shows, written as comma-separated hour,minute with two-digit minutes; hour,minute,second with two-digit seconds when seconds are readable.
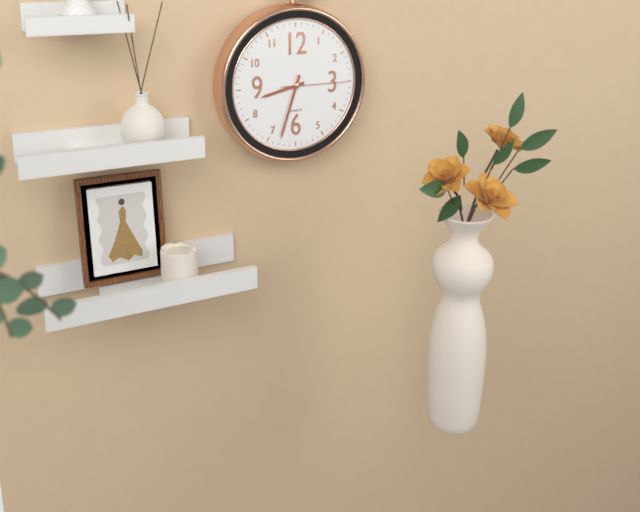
8,33,15
